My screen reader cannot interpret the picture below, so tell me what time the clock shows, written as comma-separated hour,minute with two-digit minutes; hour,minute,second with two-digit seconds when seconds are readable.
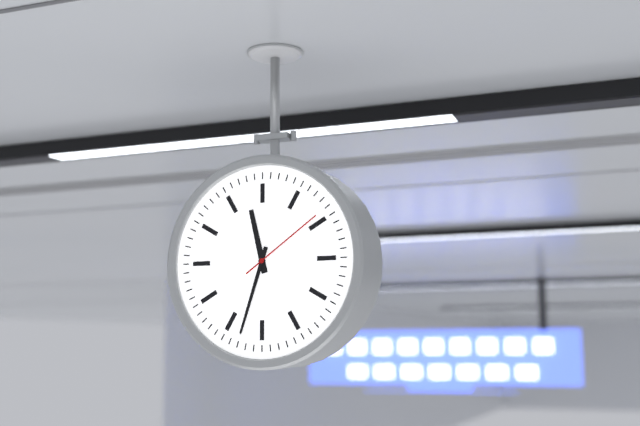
11,33,09
